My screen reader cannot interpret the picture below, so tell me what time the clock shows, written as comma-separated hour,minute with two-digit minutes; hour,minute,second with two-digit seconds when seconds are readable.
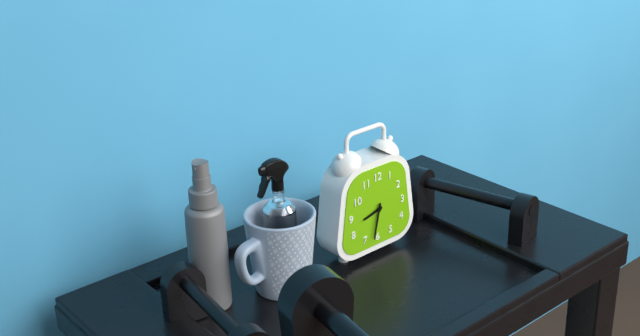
8,32
